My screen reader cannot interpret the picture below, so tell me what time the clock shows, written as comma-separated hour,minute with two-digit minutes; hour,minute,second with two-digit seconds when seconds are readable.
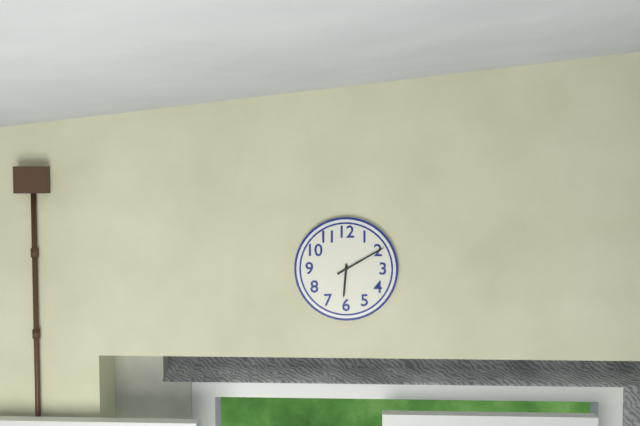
6,10
